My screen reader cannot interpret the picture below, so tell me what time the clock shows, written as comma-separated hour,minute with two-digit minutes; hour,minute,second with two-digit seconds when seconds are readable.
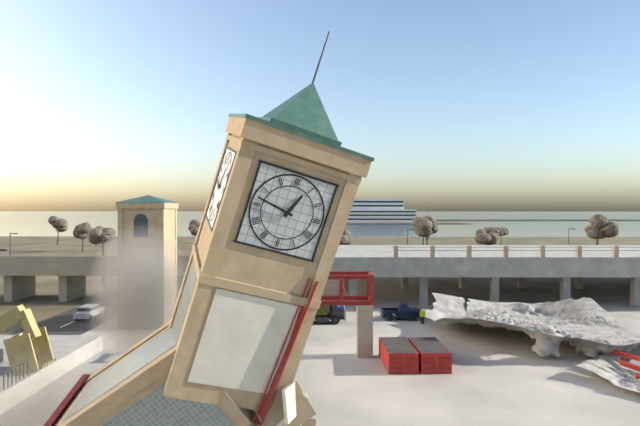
12,47
